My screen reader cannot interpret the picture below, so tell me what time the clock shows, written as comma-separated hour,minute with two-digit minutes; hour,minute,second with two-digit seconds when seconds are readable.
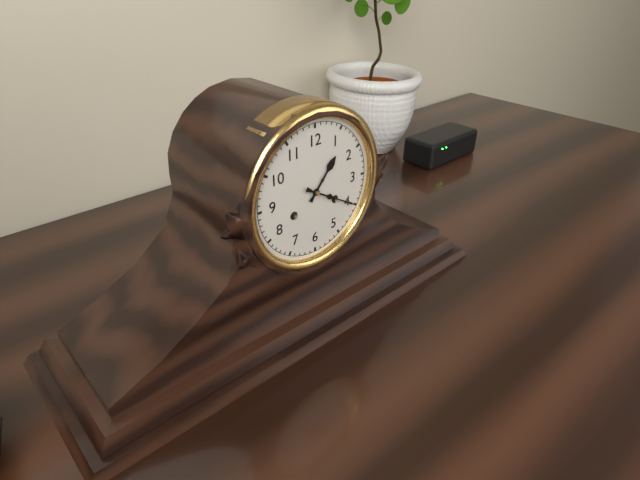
1,20
